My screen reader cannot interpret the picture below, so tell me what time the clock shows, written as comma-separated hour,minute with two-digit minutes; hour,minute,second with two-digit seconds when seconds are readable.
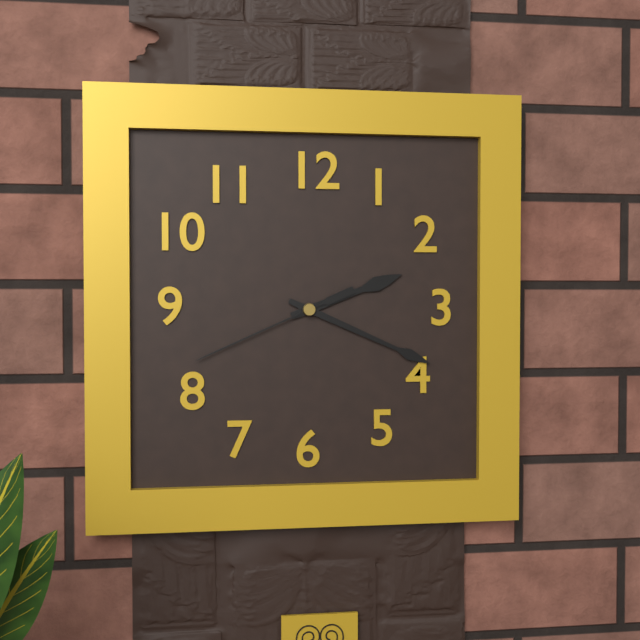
2,19,41
